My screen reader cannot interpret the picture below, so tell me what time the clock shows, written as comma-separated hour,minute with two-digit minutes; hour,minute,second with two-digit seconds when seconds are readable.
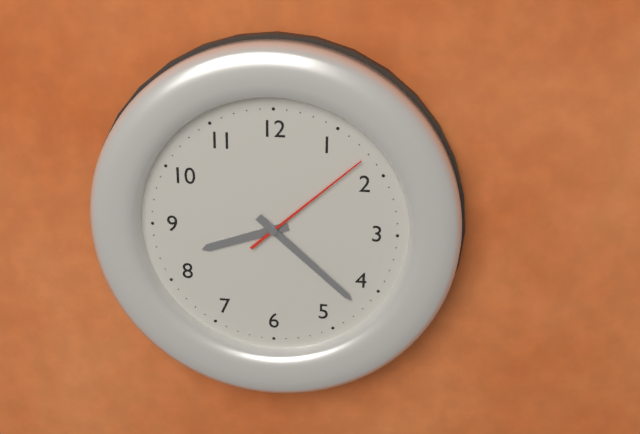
8,22,08
